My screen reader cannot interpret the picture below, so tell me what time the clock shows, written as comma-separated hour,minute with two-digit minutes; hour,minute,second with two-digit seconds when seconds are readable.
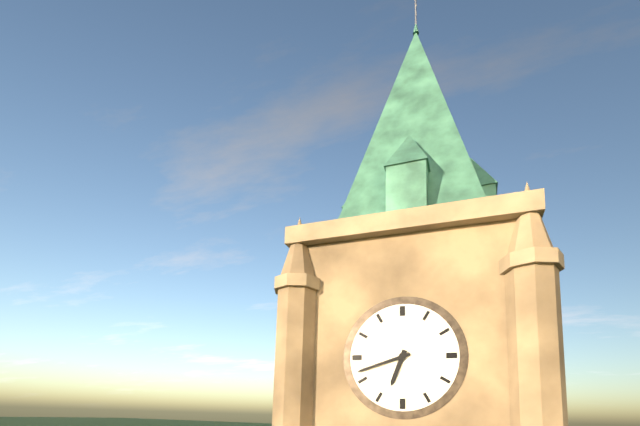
6,42
